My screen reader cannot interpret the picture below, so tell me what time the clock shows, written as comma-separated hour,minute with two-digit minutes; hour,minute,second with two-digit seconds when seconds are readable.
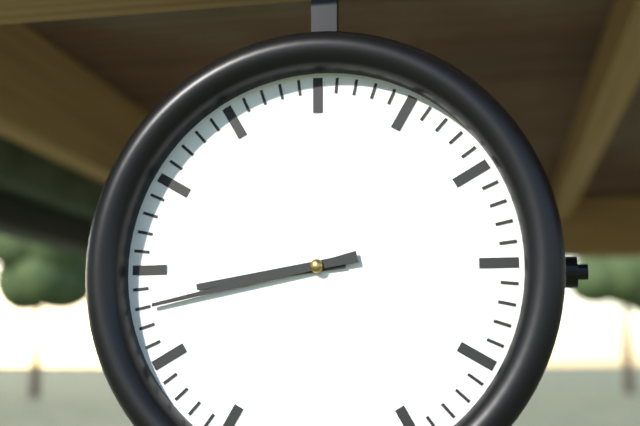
8,43
